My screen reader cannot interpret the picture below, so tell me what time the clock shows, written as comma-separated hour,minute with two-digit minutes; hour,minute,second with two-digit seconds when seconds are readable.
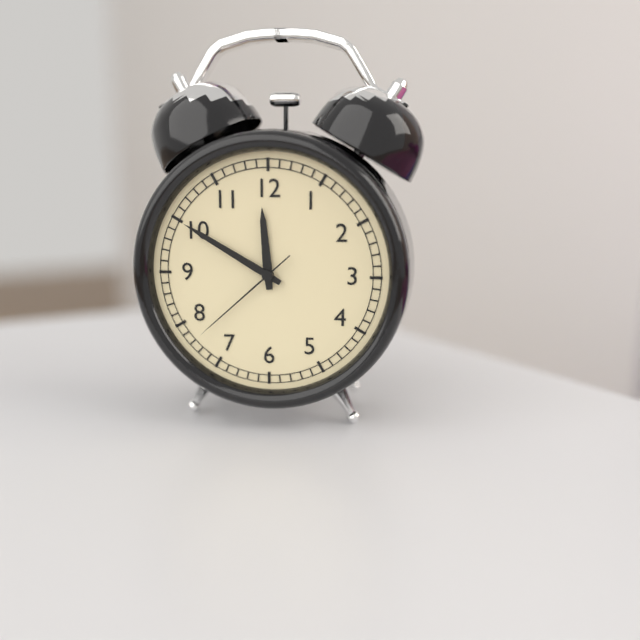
11,50,38
